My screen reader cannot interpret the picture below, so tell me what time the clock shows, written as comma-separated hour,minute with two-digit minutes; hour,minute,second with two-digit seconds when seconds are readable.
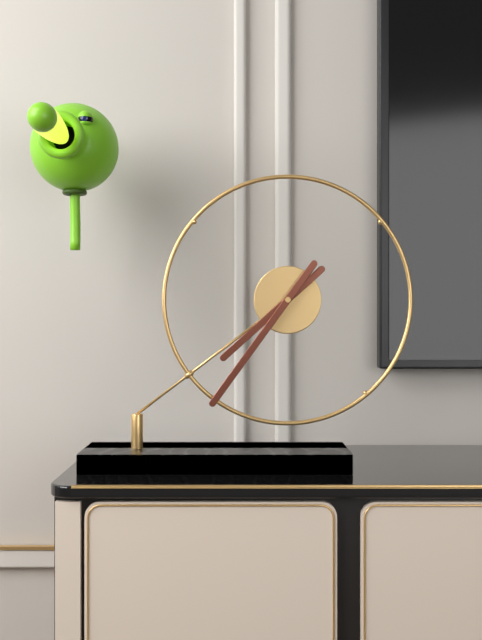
7,36
